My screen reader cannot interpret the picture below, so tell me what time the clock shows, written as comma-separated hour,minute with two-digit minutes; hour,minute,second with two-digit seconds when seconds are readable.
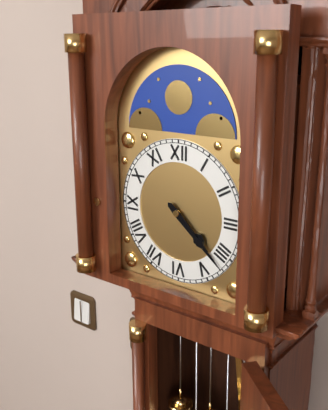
4,22
